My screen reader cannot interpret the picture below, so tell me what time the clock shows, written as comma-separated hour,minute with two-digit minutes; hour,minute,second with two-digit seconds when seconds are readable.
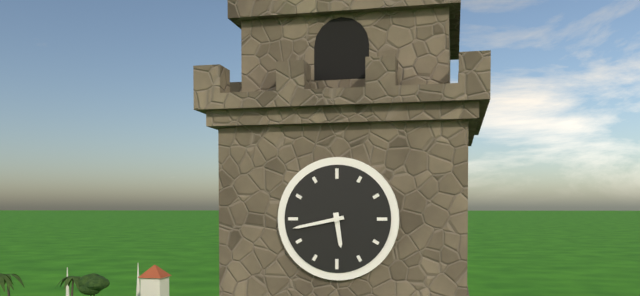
5,43
